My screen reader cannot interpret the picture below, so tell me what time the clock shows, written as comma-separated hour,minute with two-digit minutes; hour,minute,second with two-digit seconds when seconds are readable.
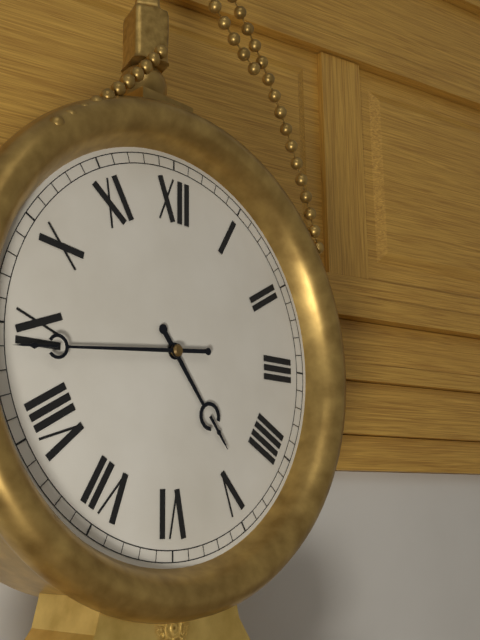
4,44
